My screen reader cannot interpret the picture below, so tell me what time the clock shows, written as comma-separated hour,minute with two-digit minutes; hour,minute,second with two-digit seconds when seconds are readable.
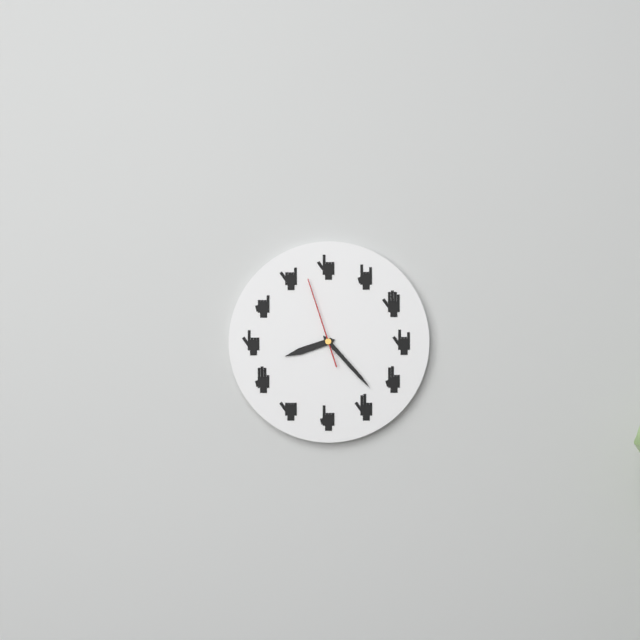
8,23,57
